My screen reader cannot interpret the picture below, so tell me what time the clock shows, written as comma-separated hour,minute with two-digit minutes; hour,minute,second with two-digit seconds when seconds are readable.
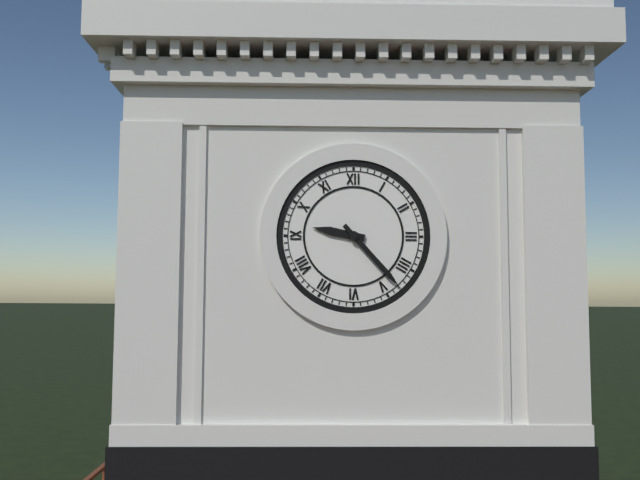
9,23
